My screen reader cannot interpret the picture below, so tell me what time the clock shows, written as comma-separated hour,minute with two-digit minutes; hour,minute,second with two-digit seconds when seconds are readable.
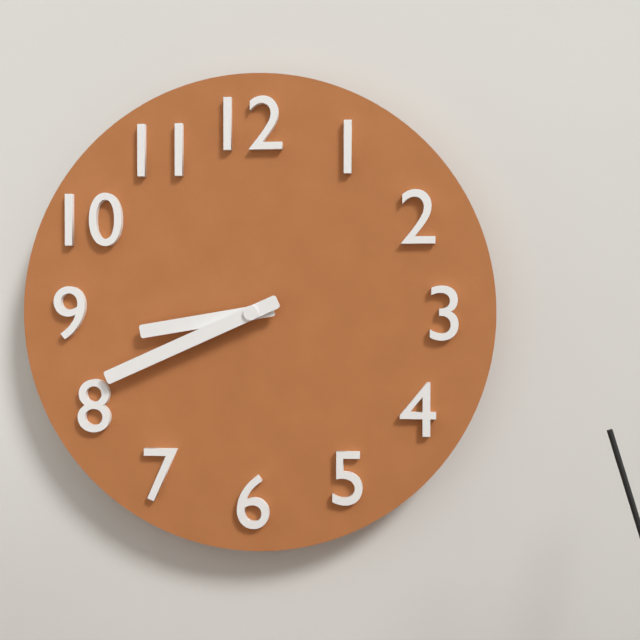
8,41
